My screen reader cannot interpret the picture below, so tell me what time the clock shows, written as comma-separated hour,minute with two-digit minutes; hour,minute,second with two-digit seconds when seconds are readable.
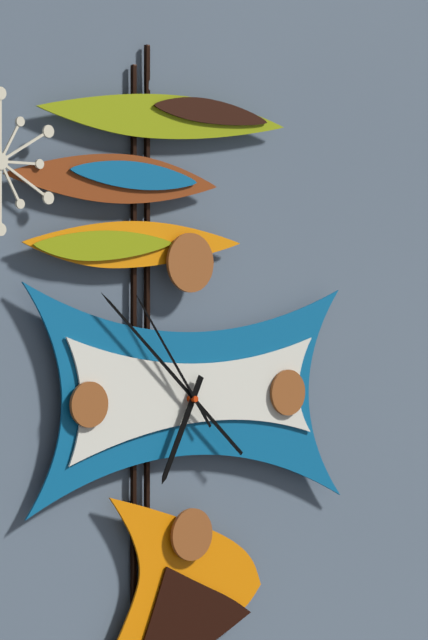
6,52,54
